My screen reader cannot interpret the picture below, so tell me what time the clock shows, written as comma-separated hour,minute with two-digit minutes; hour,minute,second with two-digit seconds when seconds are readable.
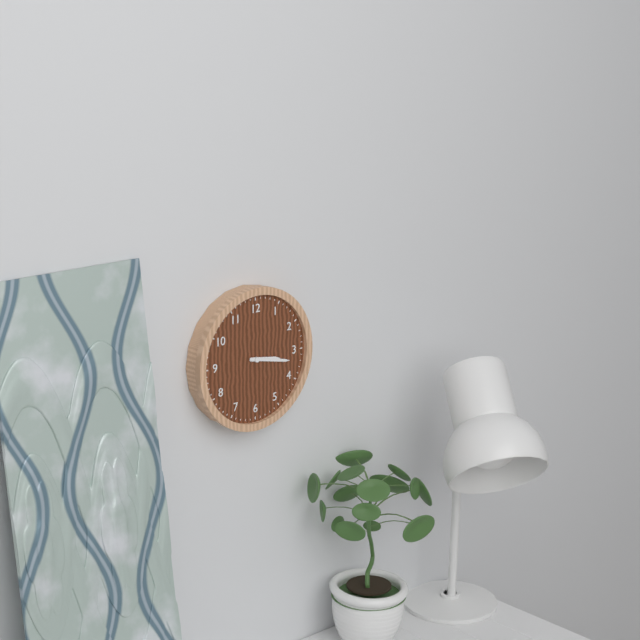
3,17
